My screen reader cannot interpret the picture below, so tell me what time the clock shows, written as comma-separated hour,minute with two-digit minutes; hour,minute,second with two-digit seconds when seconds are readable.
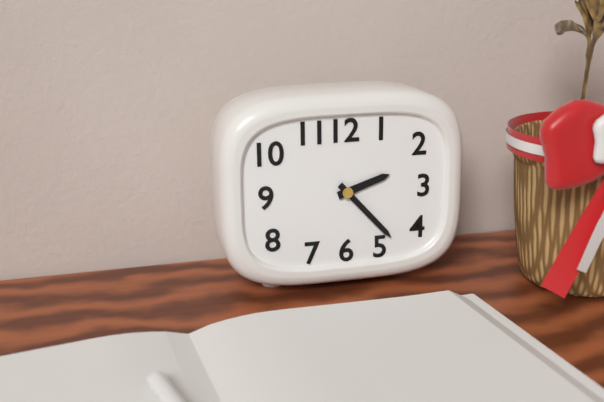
2,23
